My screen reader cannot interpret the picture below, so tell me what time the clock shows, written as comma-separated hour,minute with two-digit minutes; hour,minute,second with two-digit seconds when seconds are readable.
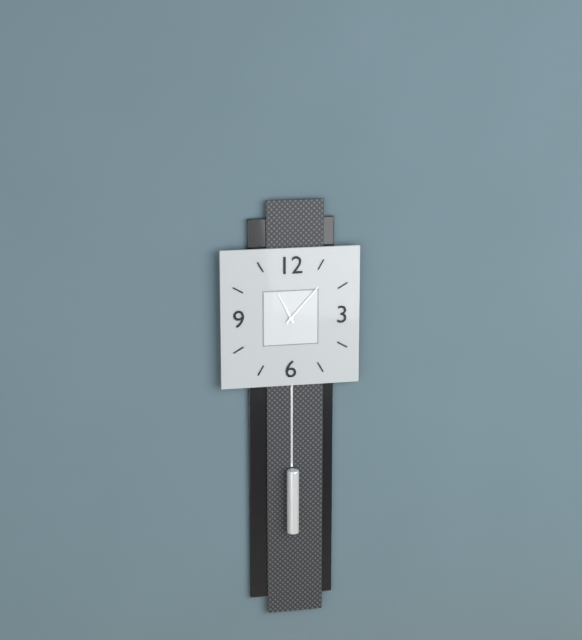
11,07
